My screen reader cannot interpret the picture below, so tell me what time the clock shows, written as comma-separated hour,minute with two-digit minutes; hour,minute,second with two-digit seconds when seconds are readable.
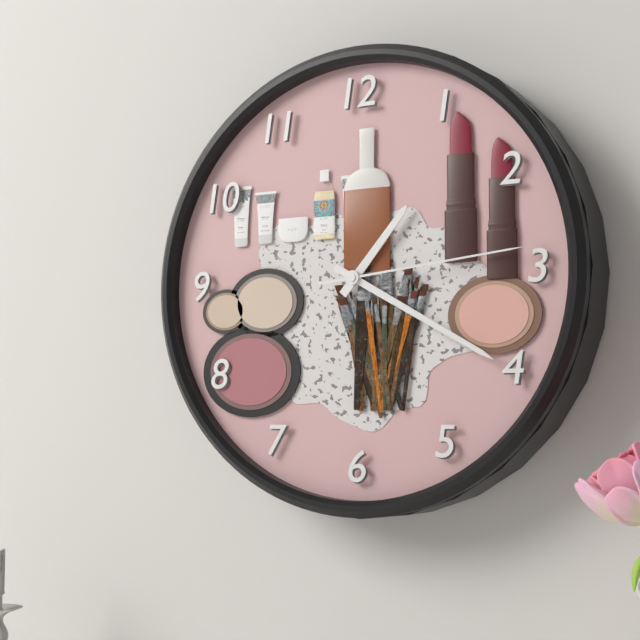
1,20,14
